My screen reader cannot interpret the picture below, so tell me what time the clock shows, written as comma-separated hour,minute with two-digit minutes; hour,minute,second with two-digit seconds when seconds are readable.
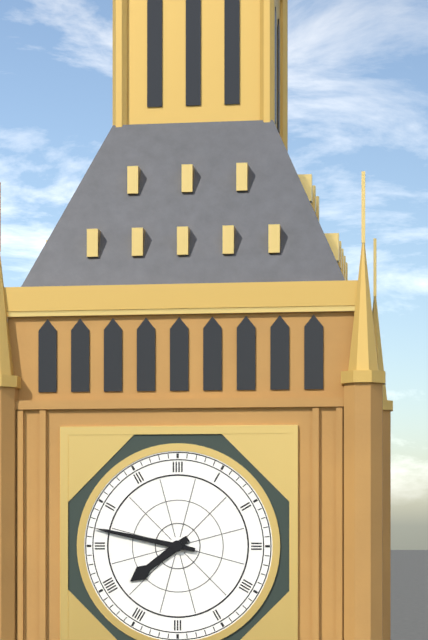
7,47
